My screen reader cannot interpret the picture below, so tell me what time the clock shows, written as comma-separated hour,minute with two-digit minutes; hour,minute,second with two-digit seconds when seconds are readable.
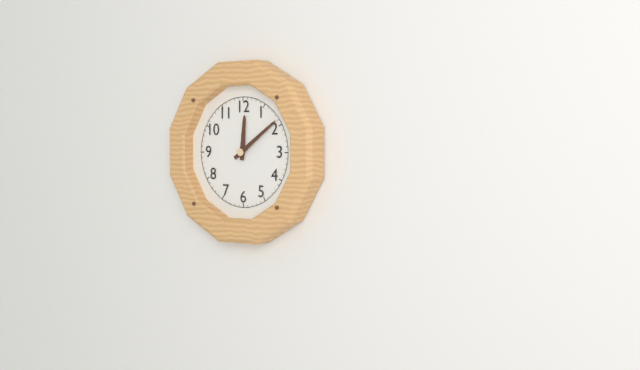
12,09
